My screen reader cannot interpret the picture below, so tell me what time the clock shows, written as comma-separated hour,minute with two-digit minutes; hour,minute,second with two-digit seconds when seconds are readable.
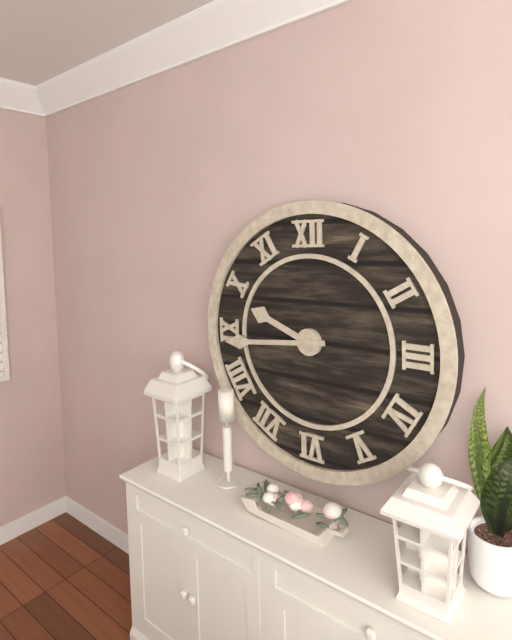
9,44
